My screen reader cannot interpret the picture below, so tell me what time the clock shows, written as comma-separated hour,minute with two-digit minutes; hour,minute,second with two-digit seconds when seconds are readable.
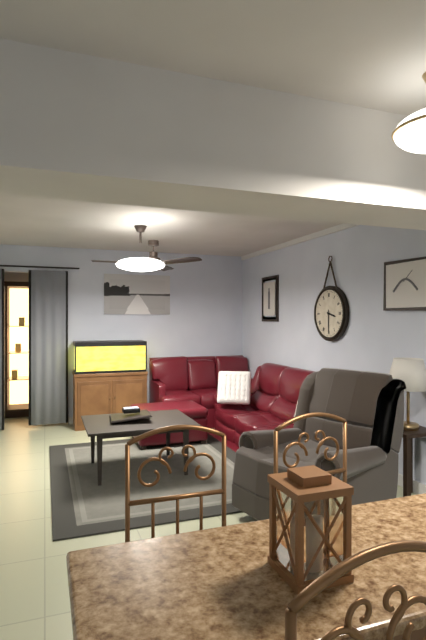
3,30
